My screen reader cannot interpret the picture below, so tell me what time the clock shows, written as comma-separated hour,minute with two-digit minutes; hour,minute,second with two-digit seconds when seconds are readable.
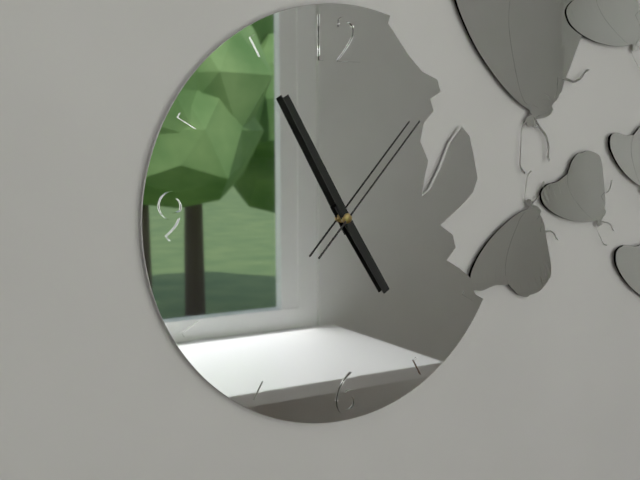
4,55,07
